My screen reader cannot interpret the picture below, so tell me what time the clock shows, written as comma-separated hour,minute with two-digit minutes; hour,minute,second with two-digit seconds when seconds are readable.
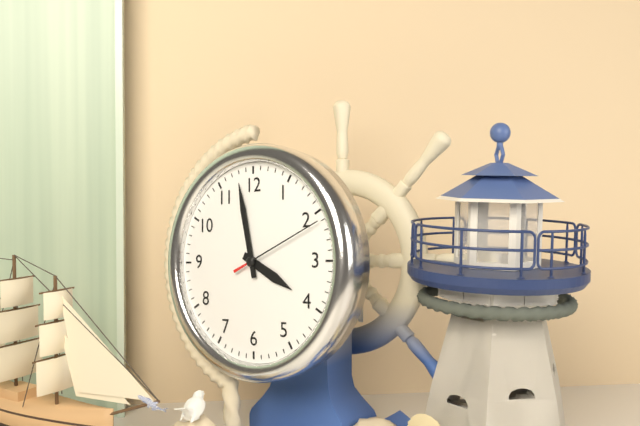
3,58,11
